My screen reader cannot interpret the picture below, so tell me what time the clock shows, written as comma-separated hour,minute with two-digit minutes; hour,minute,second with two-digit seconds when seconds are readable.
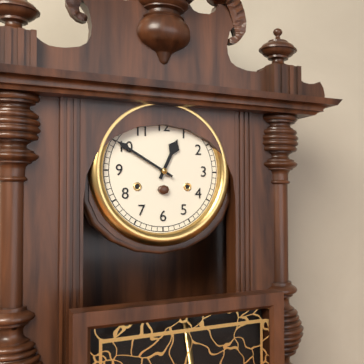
12,50
